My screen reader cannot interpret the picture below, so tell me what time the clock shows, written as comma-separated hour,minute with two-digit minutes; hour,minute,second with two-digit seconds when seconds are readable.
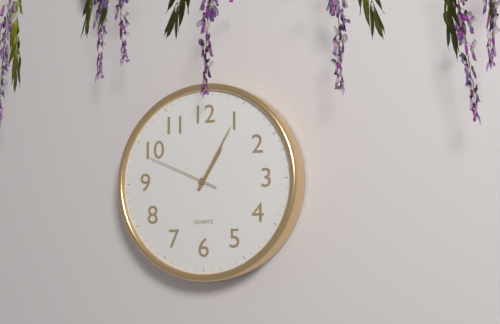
1,05,49
